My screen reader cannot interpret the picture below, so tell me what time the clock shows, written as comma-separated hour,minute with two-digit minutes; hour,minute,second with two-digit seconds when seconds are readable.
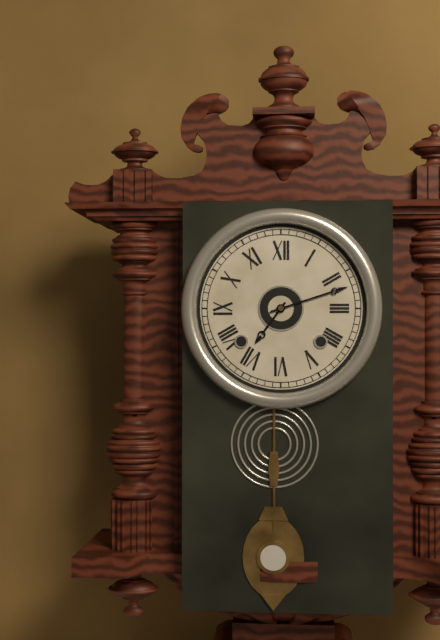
7,12
